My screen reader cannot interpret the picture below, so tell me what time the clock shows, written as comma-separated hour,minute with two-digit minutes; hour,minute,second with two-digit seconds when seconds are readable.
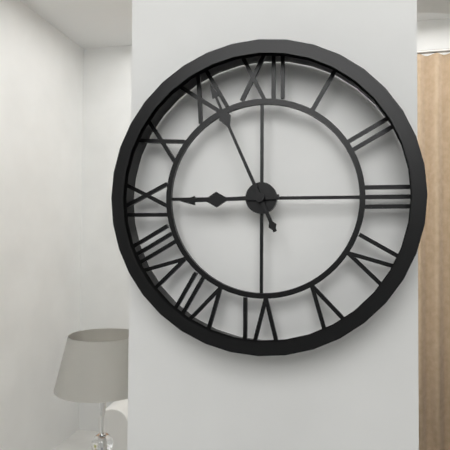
8,56
